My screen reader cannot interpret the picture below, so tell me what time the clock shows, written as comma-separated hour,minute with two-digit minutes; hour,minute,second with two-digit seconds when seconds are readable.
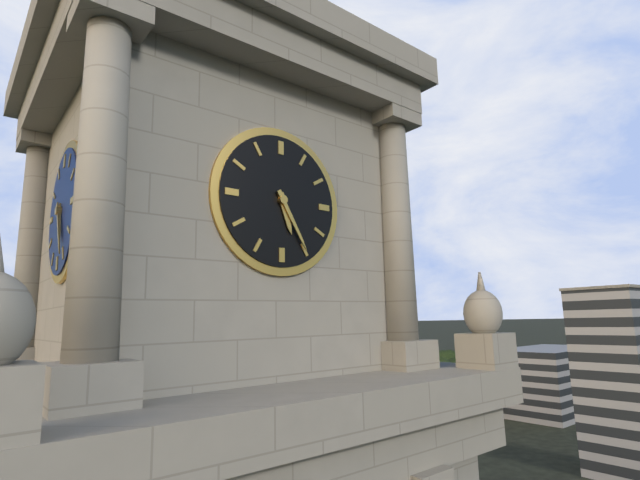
5,25
